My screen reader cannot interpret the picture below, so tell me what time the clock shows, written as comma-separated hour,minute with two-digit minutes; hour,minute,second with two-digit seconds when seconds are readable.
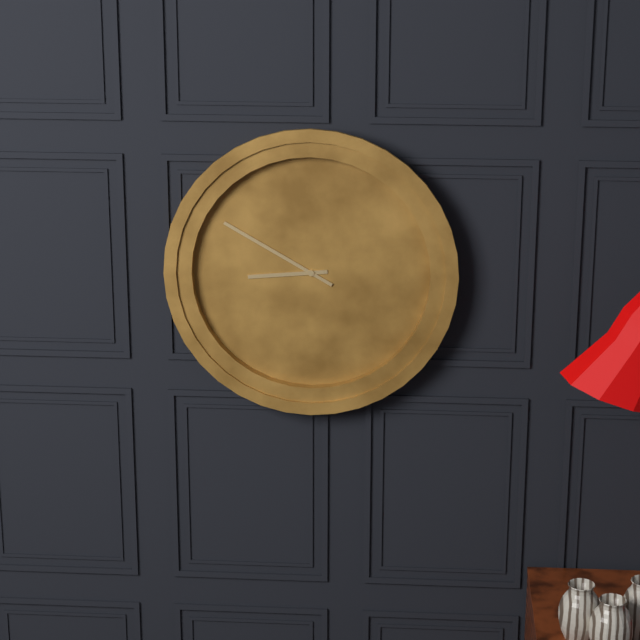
8,50
